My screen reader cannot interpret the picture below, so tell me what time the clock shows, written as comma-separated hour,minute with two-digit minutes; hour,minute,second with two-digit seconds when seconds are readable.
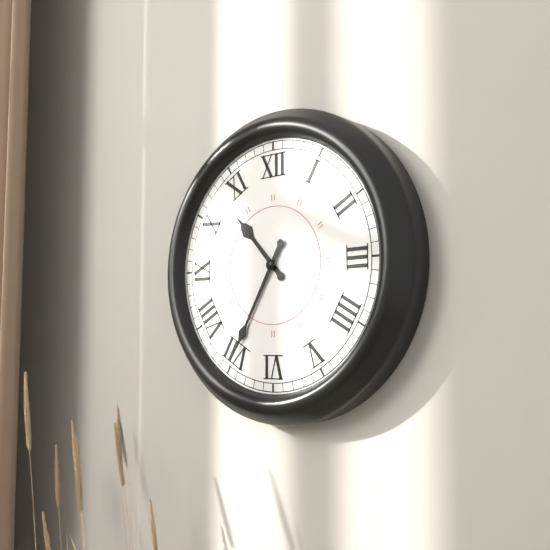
10,35
